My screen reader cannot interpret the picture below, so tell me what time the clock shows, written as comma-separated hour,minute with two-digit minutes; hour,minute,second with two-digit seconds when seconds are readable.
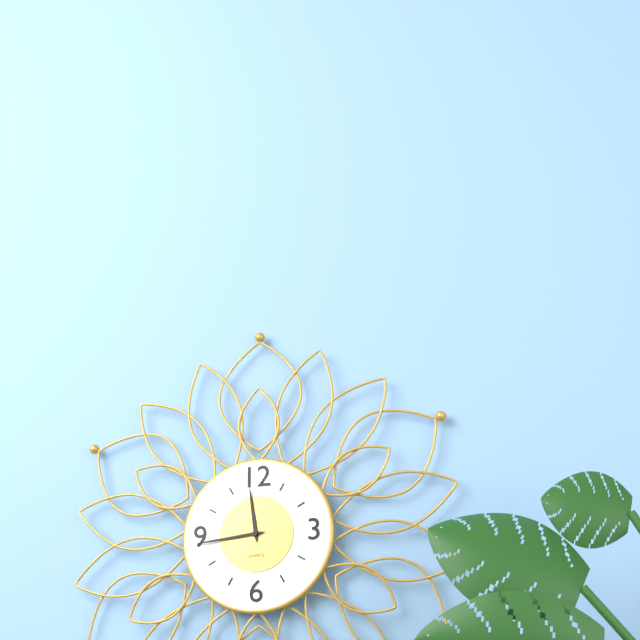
11,44
